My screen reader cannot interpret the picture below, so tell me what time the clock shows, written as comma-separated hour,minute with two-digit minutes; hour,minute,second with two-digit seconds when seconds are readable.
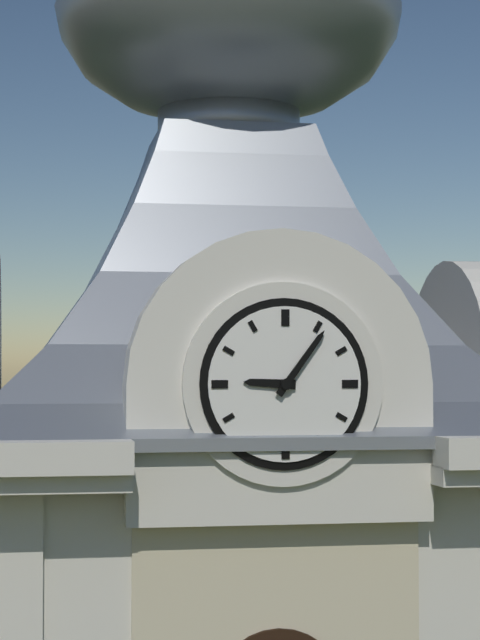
9,06
